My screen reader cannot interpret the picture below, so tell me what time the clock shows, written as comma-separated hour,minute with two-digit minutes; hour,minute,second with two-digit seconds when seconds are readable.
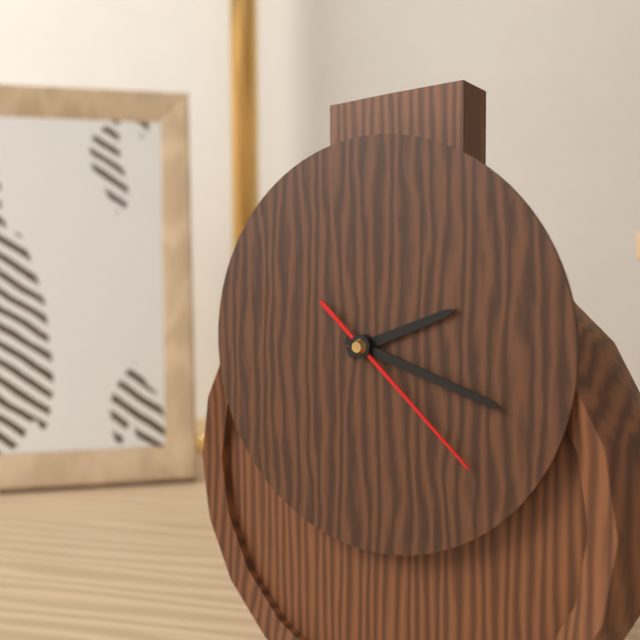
2,18,22
